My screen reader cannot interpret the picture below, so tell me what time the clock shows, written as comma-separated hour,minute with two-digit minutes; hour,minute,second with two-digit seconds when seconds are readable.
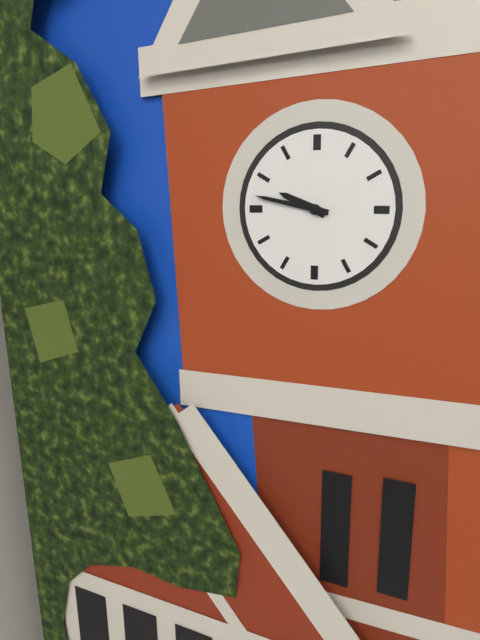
9,47
